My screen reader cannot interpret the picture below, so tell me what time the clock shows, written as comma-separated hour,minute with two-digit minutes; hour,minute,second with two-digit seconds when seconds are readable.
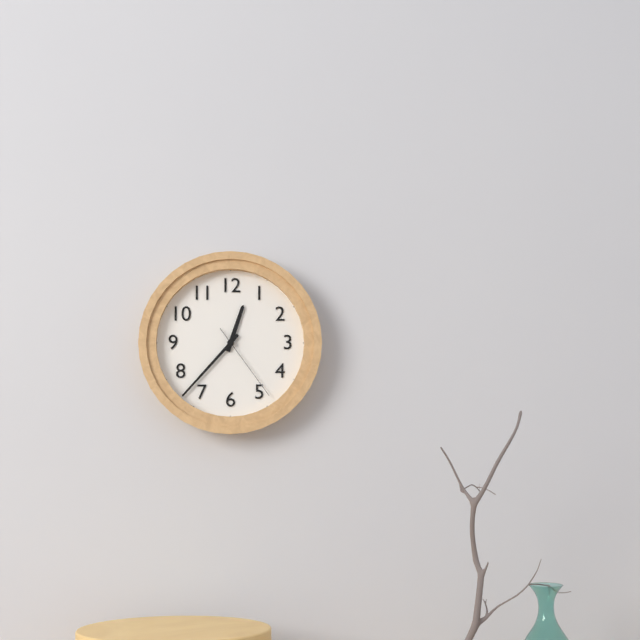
12,37,24
